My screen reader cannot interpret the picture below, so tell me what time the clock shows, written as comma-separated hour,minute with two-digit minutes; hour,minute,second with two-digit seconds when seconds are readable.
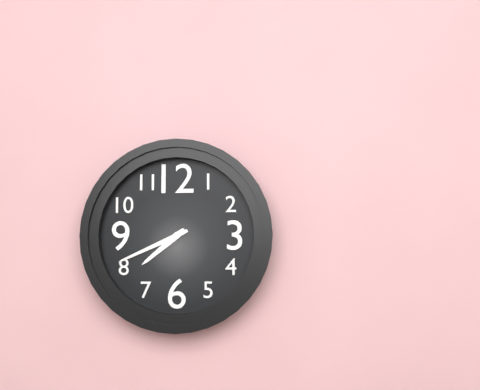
7,41
